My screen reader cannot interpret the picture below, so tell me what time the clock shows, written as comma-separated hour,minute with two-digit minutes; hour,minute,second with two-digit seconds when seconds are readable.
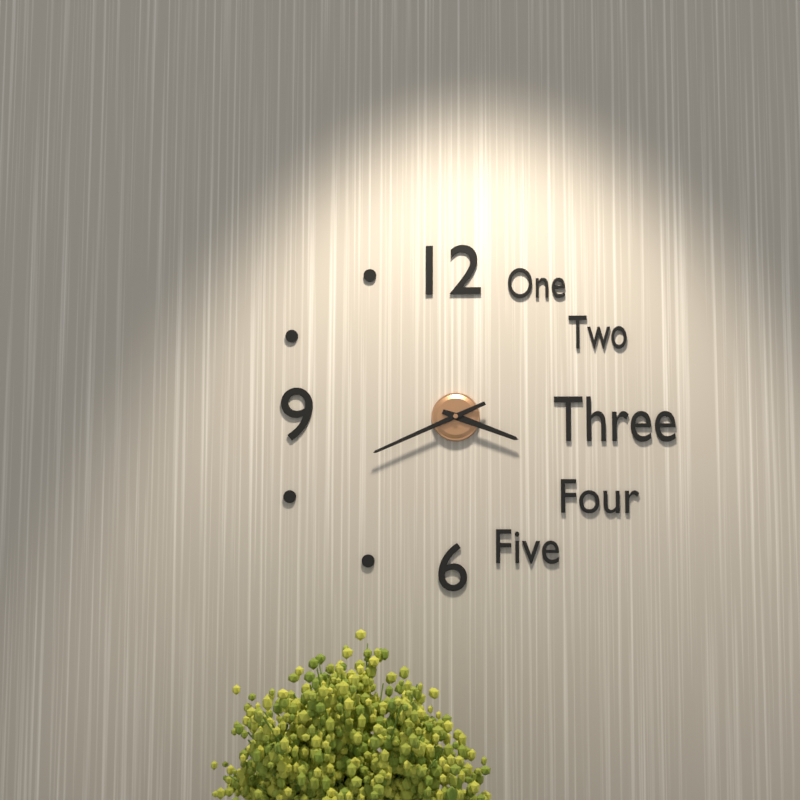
3,41
